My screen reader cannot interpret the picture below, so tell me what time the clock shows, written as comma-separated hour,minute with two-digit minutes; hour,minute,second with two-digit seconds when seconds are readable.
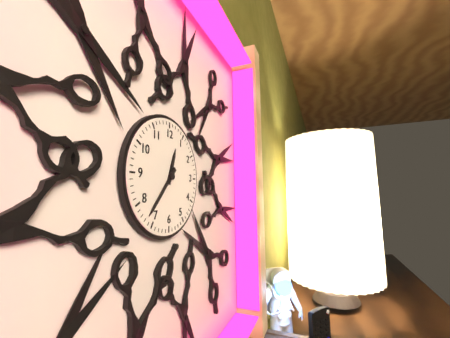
12,37
